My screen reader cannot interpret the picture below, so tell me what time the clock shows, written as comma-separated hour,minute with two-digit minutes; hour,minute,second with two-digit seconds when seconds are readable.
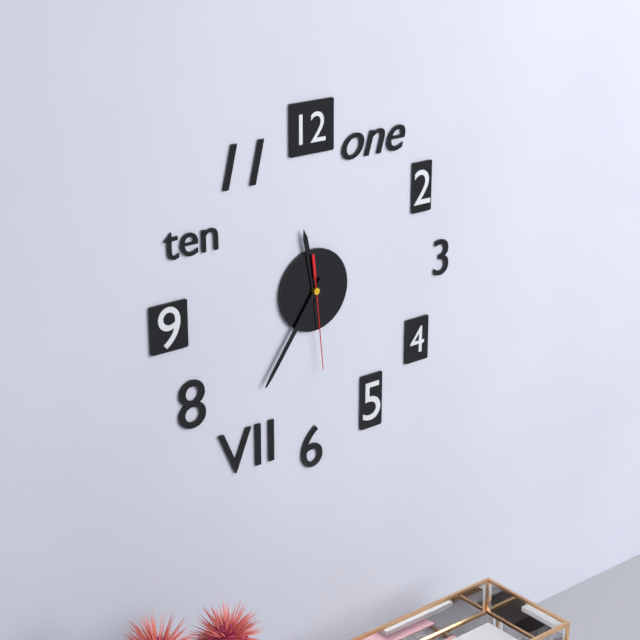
11,36,29
